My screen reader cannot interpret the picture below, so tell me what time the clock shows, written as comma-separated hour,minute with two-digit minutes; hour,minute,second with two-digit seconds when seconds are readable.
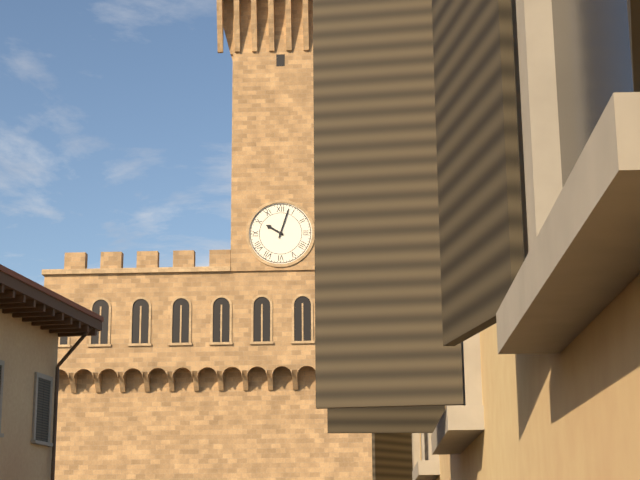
10,03
